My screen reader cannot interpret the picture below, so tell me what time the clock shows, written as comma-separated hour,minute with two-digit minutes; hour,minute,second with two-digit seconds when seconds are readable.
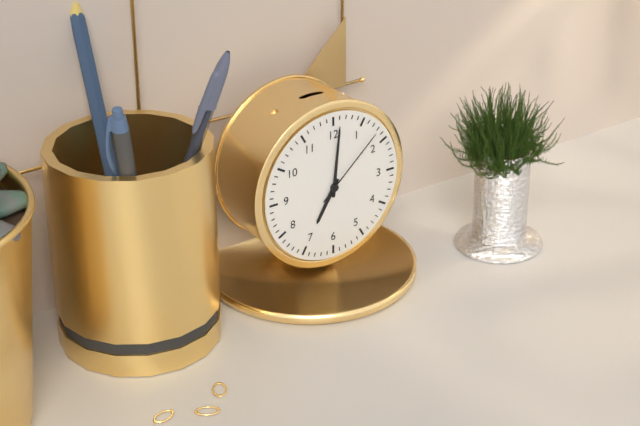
7,01,08
